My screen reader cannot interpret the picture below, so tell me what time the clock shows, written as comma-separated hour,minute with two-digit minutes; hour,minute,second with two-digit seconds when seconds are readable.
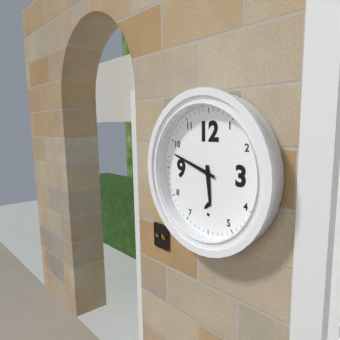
5,48
